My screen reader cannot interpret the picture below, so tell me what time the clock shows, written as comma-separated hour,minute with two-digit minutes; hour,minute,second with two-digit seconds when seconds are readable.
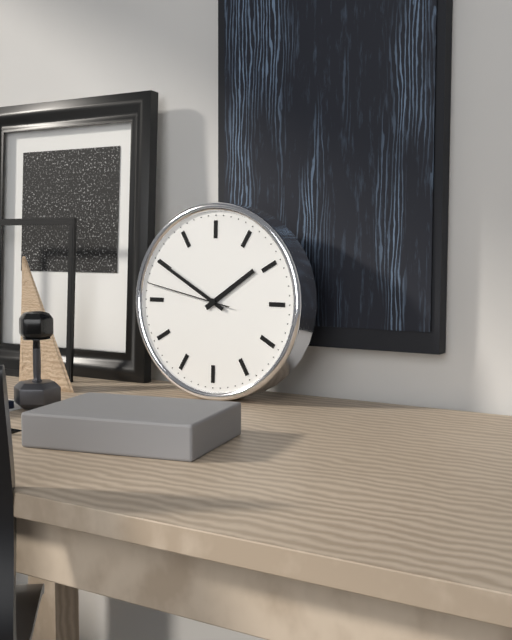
1,50,47
